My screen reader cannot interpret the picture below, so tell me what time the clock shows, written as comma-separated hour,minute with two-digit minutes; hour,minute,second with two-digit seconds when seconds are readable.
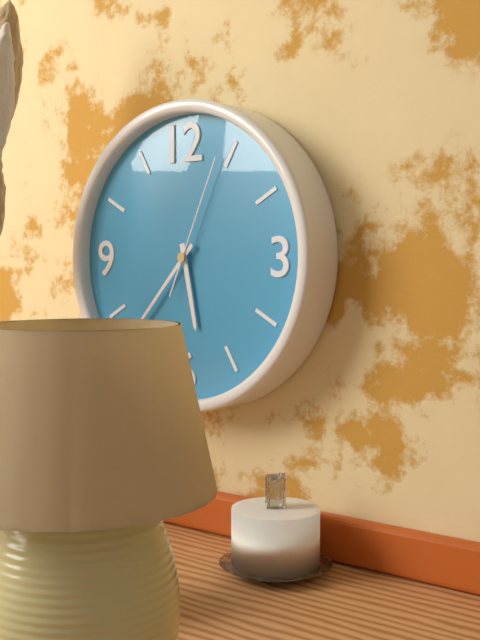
5,37,04
